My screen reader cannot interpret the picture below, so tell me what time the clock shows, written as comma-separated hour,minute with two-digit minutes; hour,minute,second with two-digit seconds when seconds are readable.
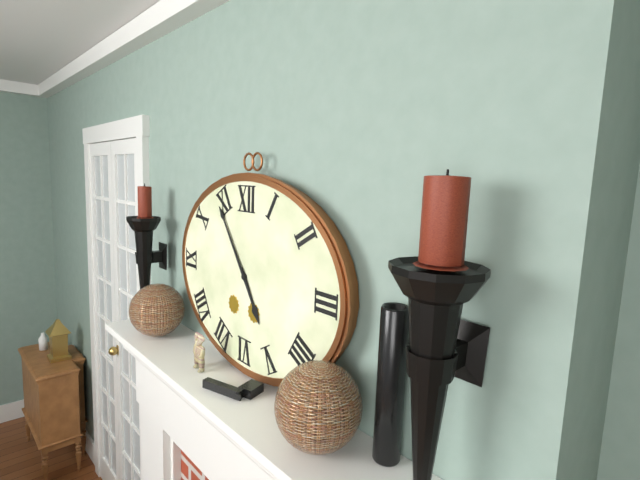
4,54
